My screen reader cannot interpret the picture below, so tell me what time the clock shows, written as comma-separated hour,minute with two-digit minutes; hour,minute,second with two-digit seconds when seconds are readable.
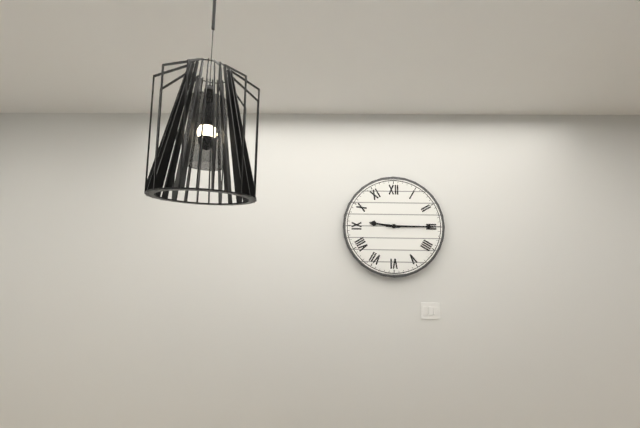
9,15
